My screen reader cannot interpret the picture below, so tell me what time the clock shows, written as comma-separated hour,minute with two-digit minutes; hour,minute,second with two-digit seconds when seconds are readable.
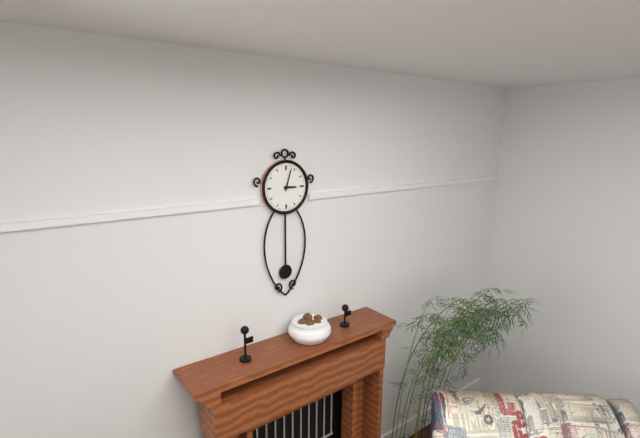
3,03
